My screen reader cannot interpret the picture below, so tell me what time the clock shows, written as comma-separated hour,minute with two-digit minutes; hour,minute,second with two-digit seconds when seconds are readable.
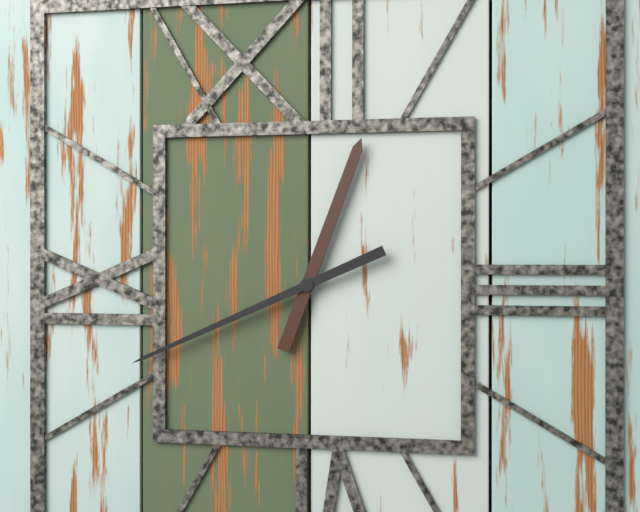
12,41
